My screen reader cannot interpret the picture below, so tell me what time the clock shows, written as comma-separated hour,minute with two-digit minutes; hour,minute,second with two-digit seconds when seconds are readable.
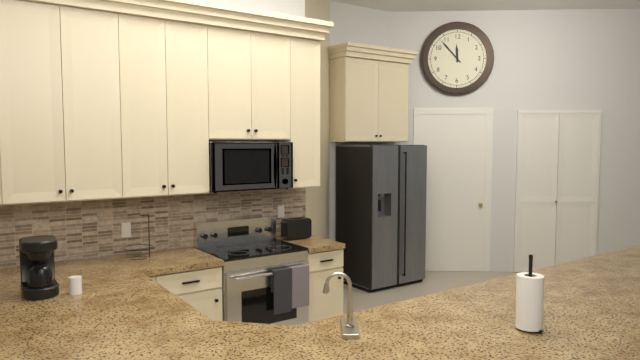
11,53
